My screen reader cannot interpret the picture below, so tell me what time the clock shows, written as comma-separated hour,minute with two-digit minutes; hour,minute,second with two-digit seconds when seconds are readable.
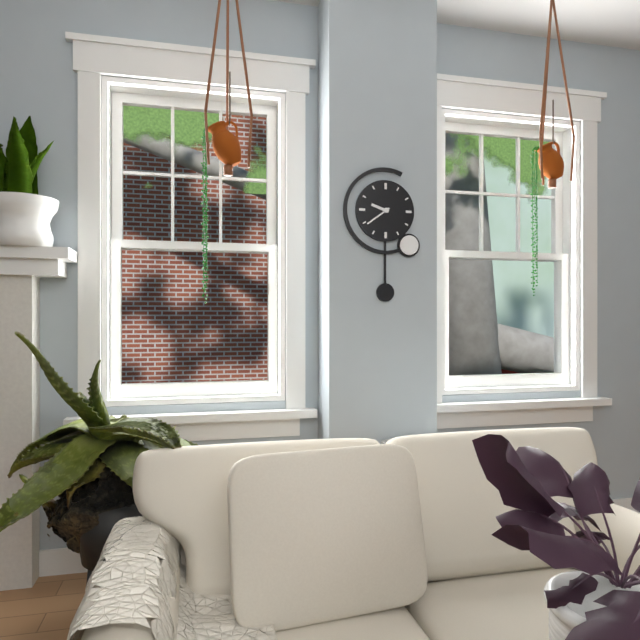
9,39
